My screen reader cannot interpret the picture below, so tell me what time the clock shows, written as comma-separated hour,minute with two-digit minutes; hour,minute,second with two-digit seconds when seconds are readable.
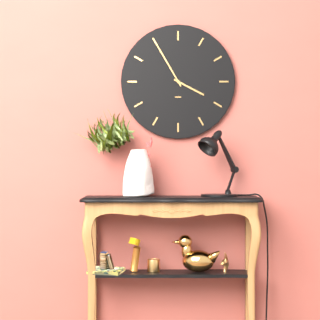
3,55
